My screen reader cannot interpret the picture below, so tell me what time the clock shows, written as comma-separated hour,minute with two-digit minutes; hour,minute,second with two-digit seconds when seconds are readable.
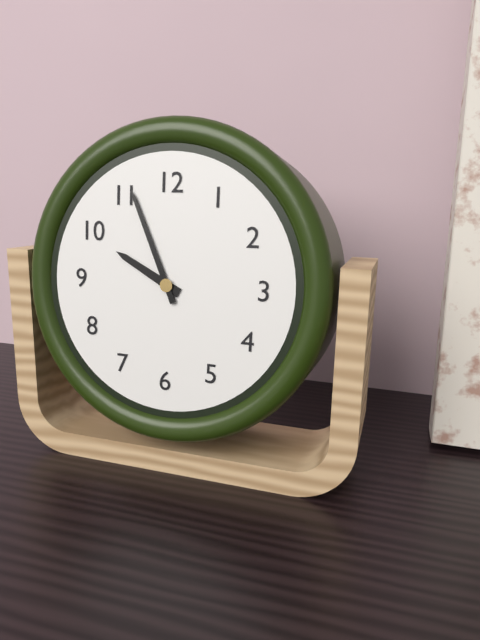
9,56
